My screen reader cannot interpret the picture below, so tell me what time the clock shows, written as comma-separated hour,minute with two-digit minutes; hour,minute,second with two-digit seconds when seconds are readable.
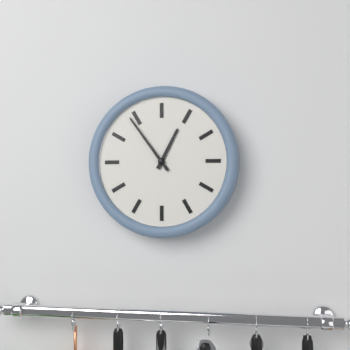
12,54
